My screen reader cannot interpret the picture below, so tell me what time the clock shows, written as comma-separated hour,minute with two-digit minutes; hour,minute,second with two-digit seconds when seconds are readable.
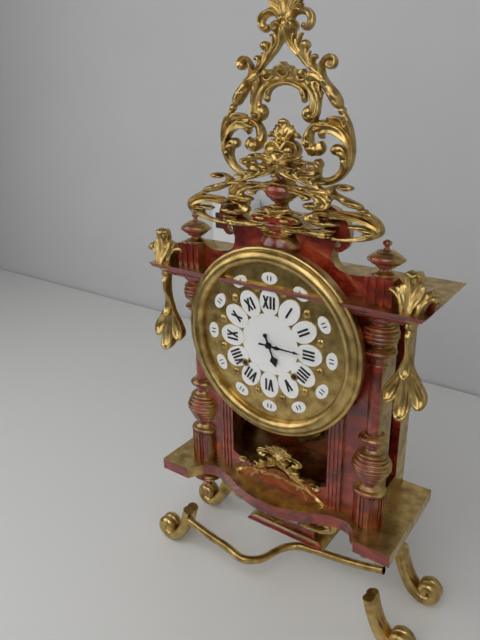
5,15
